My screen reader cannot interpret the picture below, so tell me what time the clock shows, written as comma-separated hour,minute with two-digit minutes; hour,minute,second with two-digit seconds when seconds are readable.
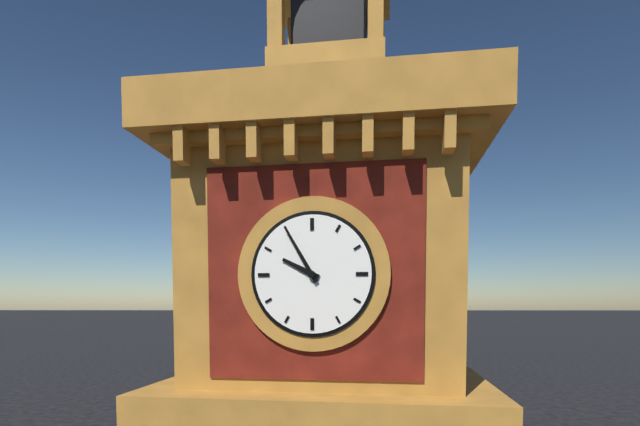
9,55
